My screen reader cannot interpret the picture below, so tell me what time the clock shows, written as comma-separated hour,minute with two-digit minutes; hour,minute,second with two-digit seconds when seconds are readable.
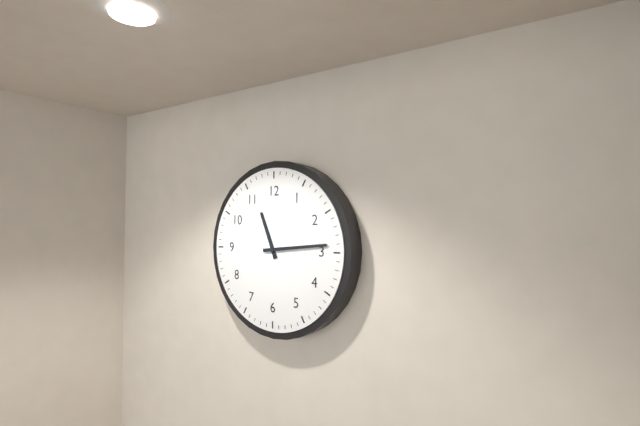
11,14
